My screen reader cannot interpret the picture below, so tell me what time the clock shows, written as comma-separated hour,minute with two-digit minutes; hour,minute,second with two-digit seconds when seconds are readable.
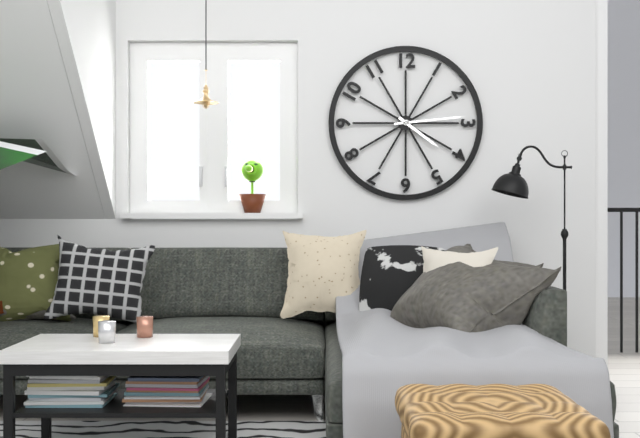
4,14
